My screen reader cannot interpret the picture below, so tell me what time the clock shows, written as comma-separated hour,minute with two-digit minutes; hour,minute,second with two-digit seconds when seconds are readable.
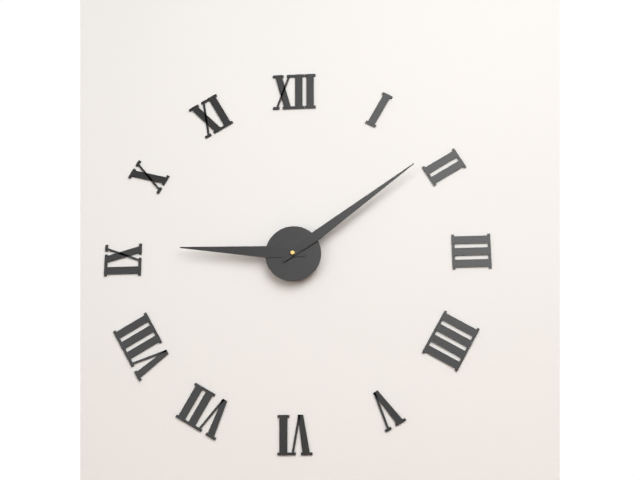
9,09
